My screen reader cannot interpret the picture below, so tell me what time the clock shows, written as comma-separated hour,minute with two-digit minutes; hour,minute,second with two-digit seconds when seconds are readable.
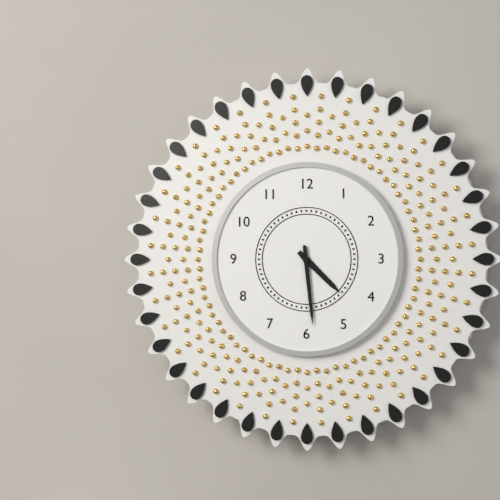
4,29
